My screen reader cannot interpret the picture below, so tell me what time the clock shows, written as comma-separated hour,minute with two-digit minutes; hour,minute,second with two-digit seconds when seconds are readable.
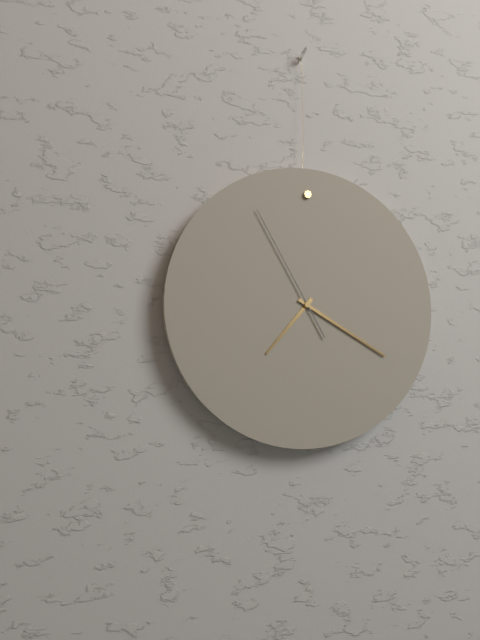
7,20,55
